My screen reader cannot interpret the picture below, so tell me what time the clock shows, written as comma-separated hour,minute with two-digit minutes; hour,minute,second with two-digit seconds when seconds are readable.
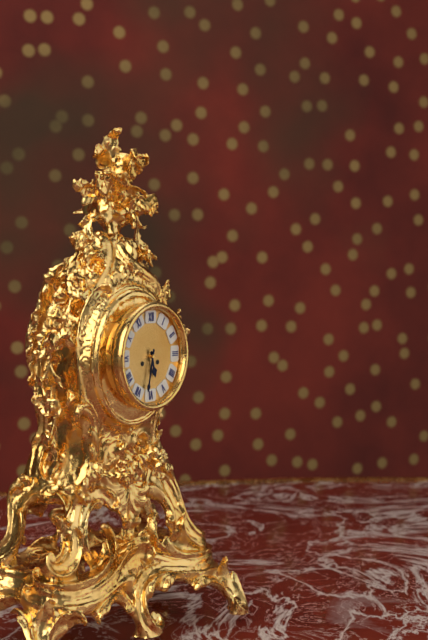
5,32
